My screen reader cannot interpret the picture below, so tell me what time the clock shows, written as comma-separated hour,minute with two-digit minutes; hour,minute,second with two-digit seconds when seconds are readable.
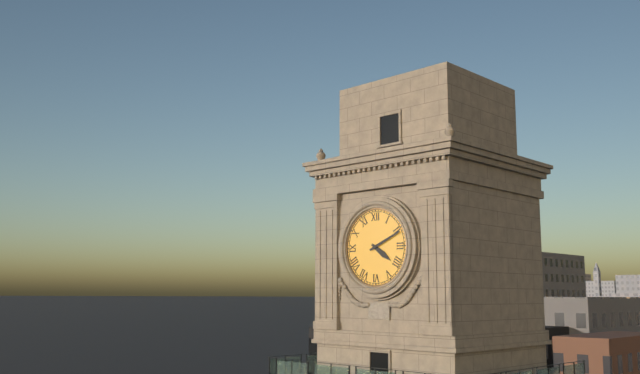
4,11
